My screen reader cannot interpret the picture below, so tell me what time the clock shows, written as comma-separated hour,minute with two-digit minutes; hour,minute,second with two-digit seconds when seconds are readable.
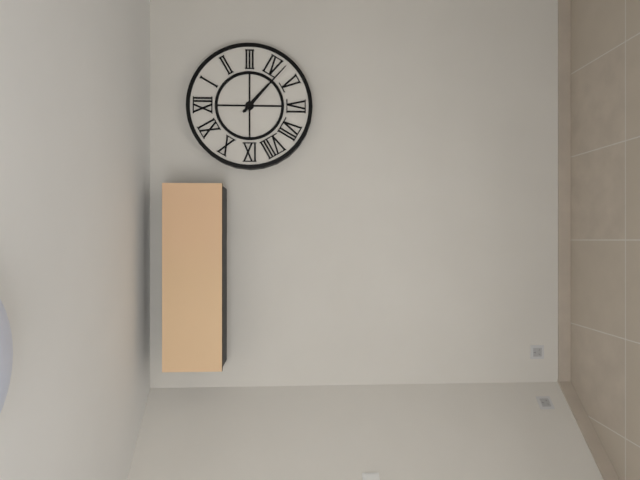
4,22
